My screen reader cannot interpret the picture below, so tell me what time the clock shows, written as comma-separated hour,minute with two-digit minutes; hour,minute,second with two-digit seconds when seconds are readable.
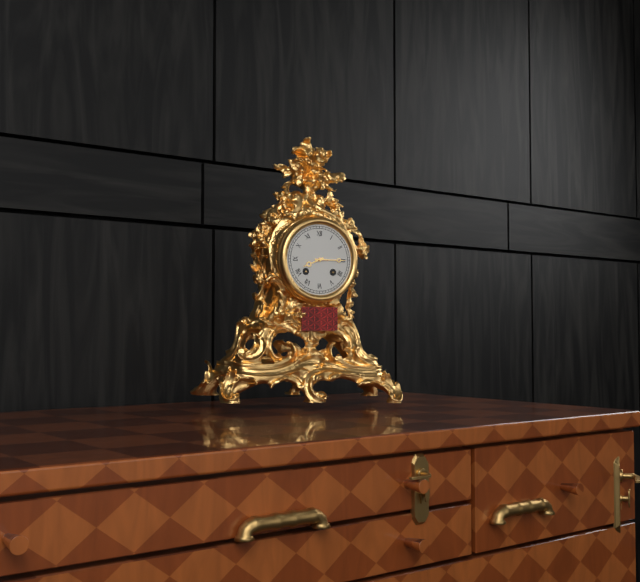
8,15
